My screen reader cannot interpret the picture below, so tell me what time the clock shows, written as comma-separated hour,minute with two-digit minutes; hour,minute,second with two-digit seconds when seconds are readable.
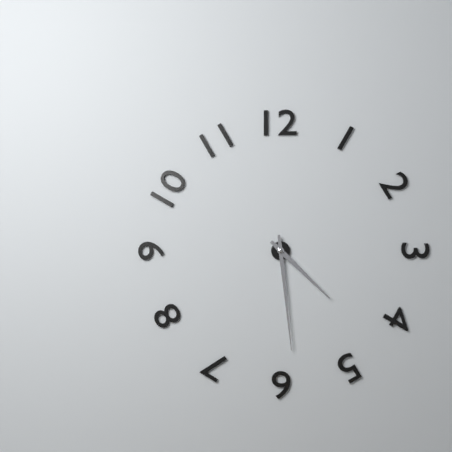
4,29
